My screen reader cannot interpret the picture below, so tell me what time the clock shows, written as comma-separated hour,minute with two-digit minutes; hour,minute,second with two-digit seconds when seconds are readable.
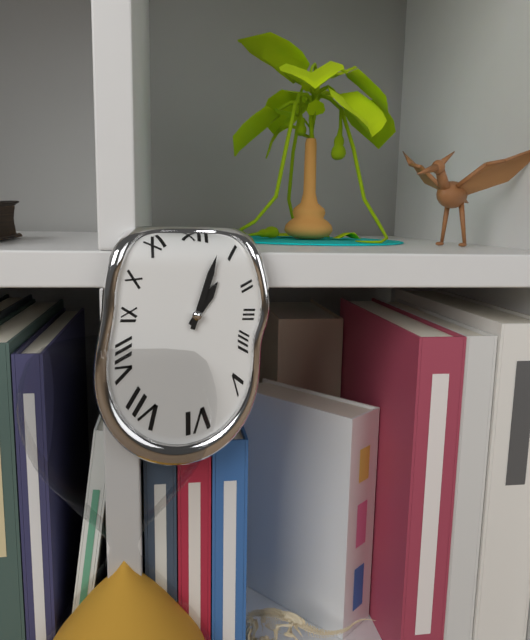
1,03
